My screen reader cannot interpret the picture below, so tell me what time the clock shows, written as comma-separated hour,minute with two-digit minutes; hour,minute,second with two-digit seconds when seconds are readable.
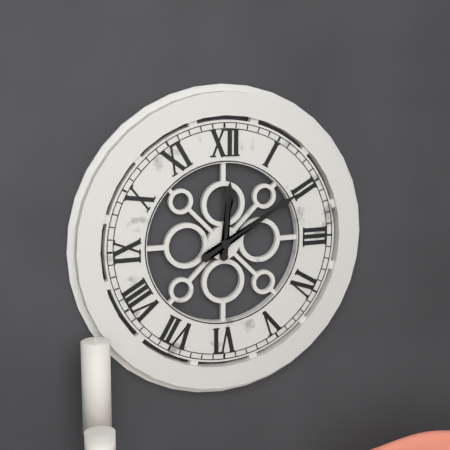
12,10
